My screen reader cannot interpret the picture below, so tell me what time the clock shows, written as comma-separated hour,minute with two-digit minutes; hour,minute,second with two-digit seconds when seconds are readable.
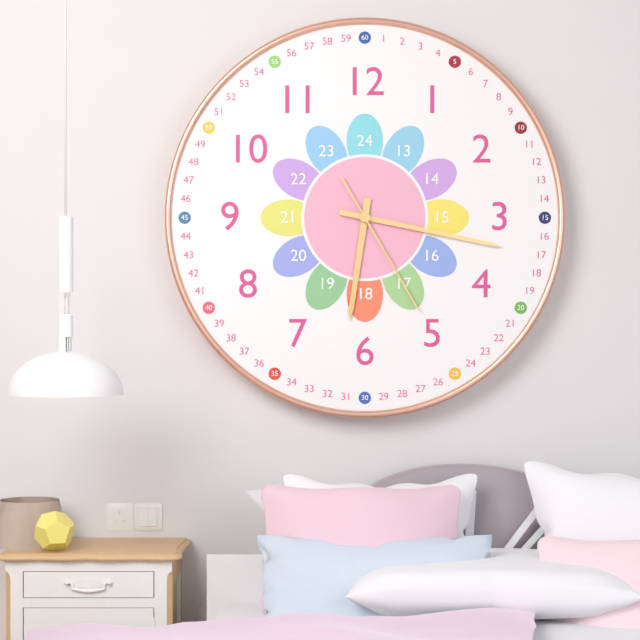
6,17,25
